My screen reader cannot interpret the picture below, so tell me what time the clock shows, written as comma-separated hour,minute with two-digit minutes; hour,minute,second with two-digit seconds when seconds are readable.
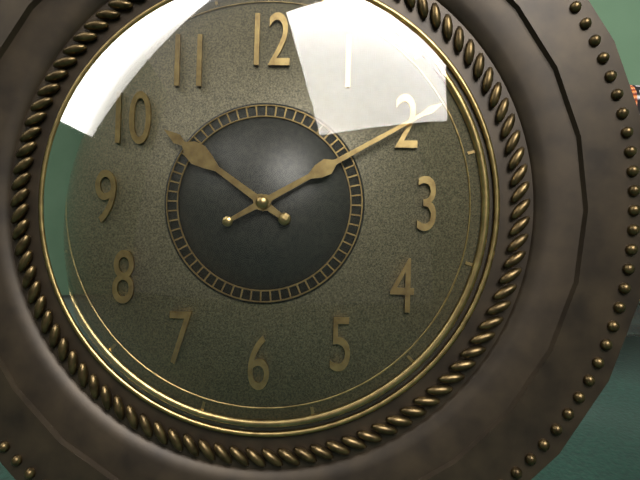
10,10
